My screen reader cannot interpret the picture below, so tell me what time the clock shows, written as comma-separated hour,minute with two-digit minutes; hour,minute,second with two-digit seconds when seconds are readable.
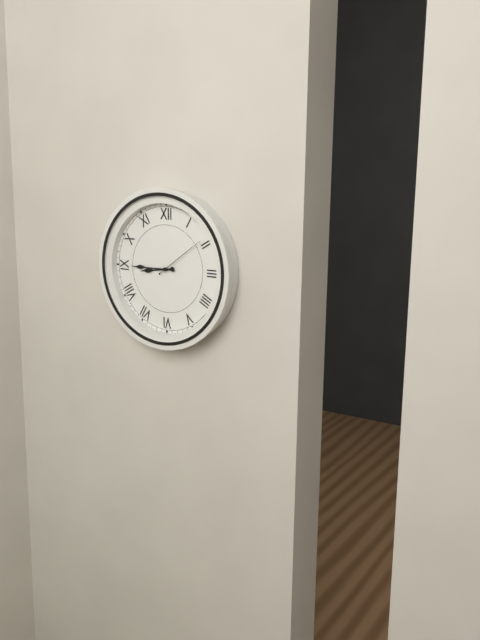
8,45,09
